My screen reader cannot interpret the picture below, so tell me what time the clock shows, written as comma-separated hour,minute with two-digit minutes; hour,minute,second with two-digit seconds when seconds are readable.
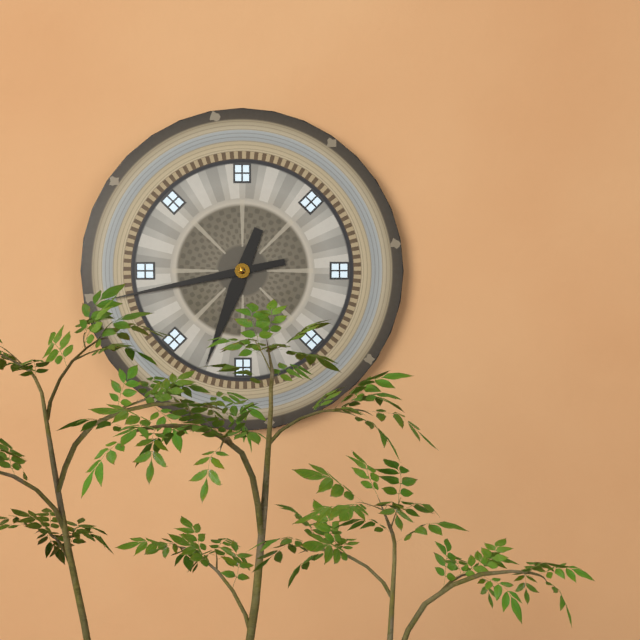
6,43
